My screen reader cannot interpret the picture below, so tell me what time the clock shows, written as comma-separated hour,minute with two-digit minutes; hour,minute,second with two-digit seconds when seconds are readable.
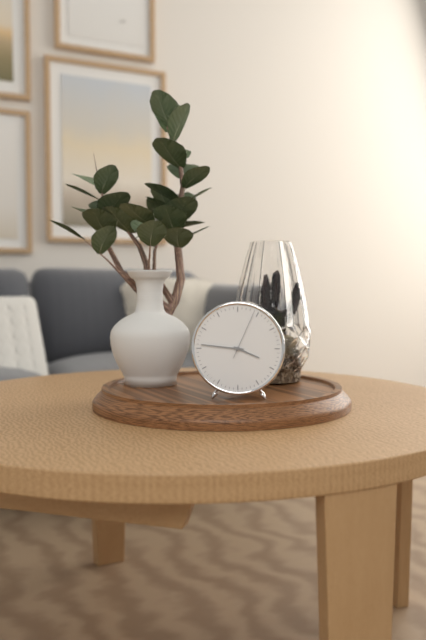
3,46
